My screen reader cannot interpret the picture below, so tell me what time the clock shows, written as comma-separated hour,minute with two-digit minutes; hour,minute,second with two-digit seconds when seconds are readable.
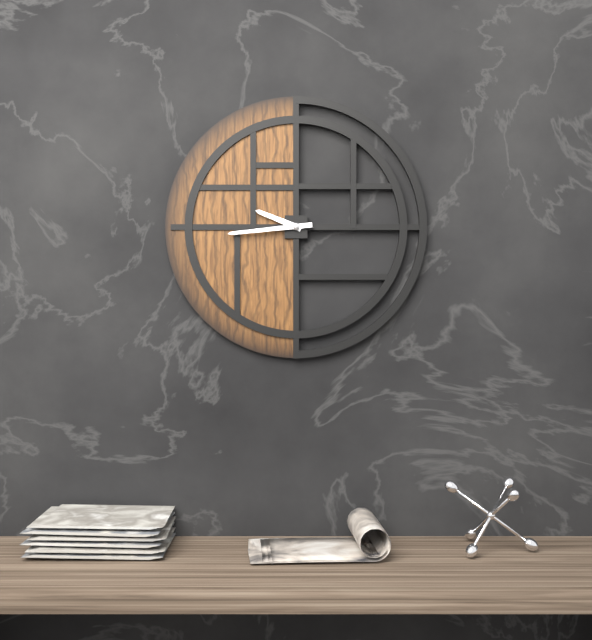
9,44
